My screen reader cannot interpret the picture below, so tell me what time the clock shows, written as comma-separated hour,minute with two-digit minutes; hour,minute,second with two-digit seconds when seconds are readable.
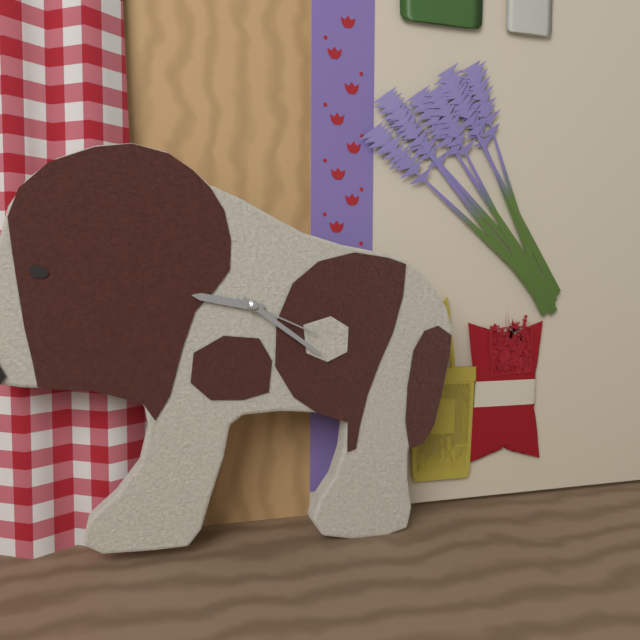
9,21,19
